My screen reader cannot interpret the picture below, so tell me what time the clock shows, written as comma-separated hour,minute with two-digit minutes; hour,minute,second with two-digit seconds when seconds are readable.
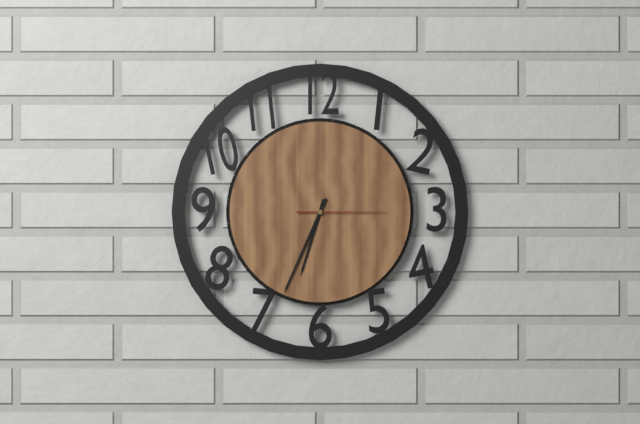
6,34,15
